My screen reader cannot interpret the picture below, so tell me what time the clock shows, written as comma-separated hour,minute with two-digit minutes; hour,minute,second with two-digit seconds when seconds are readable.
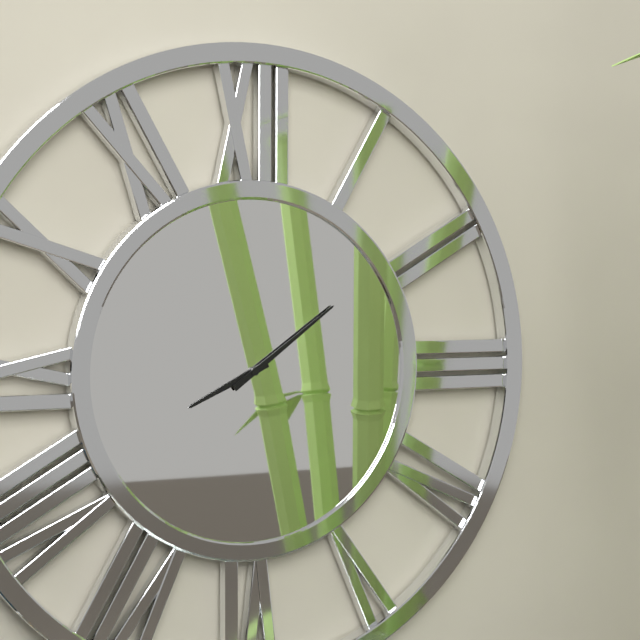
8,09
